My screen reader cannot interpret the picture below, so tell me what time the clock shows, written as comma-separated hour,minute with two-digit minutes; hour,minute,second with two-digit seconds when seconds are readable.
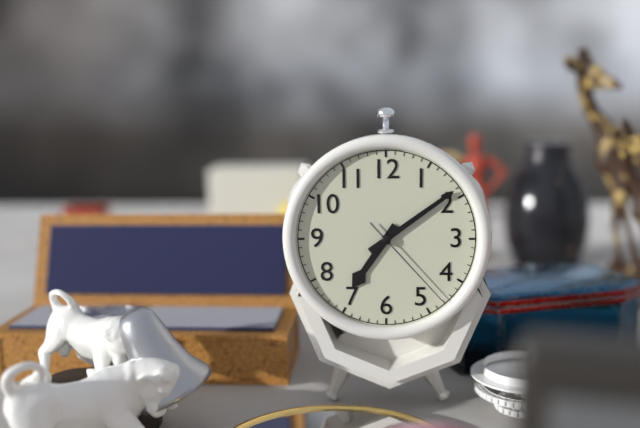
7,09,23
